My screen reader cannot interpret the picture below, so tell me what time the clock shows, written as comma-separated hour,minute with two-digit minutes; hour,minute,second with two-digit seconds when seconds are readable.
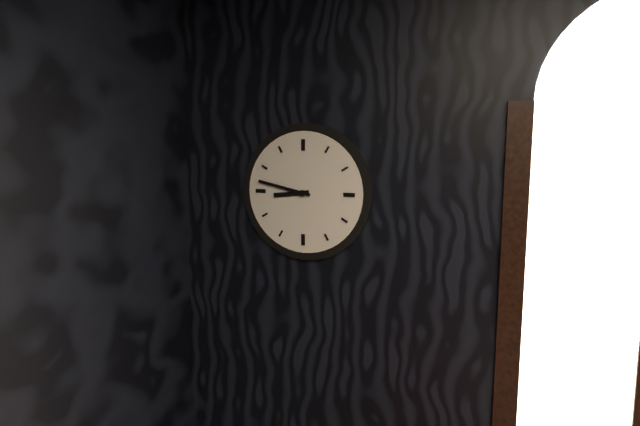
8,47
